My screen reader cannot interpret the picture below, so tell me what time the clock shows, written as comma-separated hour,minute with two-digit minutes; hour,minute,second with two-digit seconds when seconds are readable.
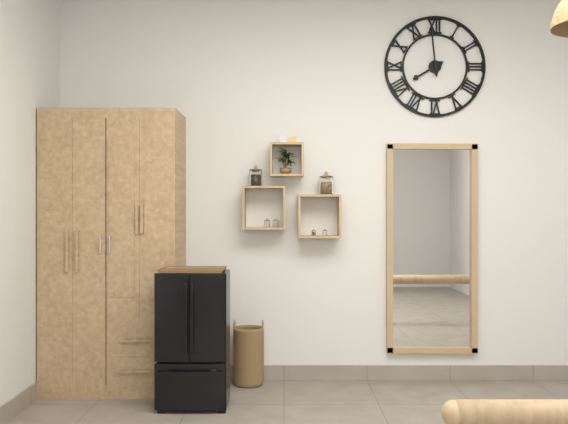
7,59
